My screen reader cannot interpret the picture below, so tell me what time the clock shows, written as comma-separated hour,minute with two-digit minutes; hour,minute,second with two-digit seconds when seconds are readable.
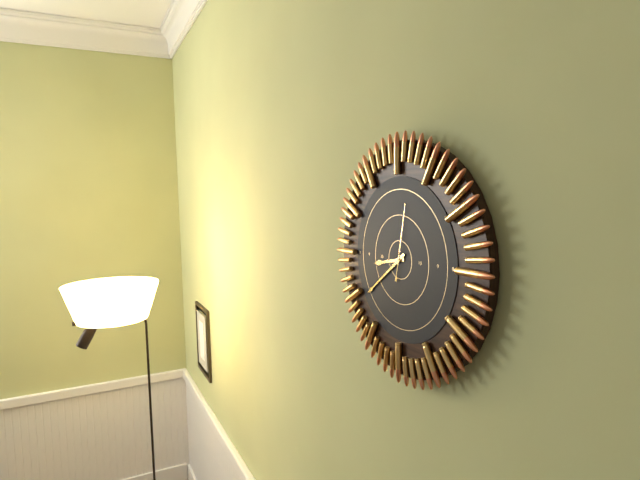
8,39,02
